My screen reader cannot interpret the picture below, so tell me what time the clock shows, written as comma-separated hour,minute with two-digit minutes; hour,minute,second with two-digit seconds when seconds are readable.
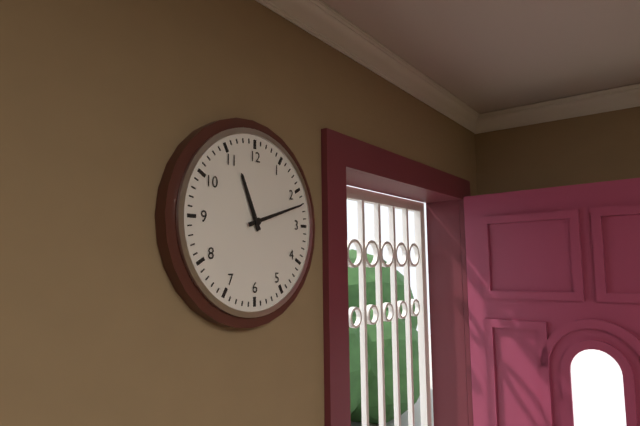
11,12
